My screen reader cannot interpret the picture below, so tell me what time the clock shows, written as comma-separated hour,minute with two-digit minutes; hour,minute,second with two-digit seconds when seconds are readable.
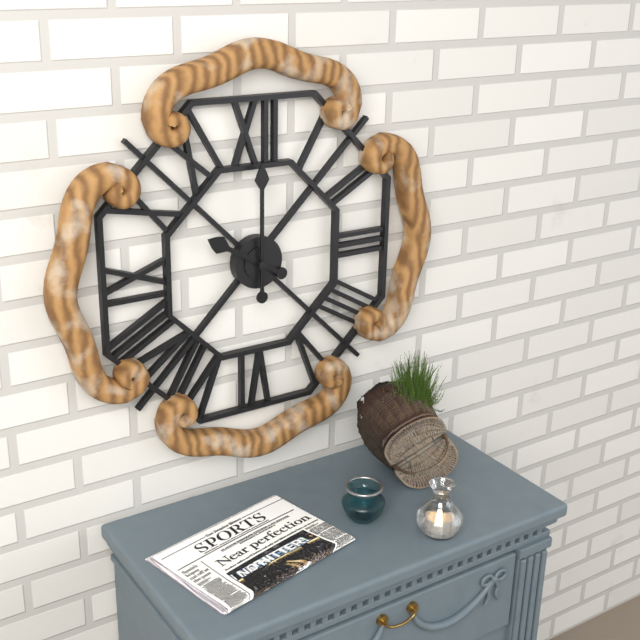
10,00
